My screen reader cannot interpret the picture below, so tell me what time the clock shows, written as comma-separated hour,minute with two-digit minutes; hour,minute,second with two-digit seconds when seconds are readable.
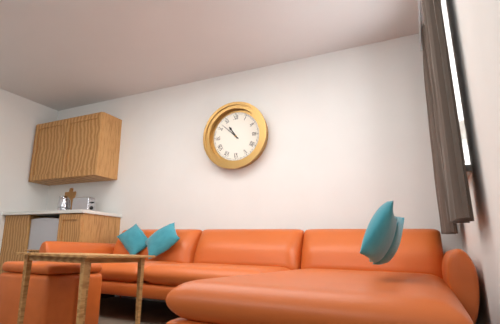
10,52
